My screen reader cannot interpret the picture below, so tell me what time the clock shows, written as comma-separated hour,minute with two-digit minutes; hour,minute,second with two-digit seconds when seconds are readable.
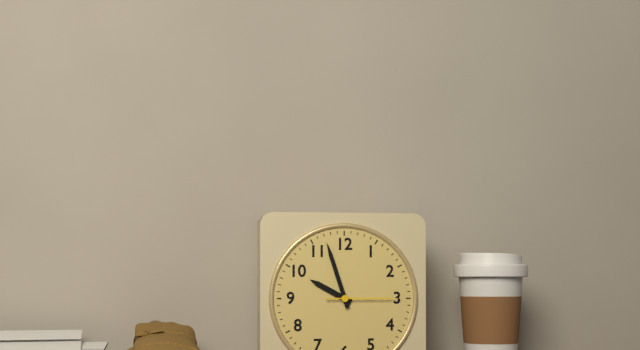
9,57,15
